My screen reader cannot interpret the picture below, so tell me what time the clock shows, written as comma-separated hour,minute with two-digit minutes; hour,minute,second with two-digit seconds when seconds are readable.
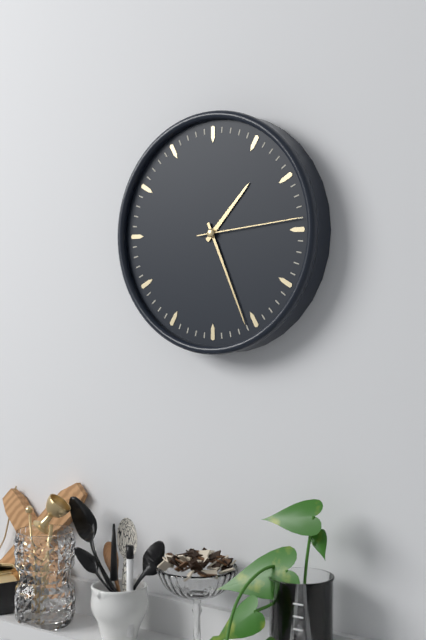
1,26,14
